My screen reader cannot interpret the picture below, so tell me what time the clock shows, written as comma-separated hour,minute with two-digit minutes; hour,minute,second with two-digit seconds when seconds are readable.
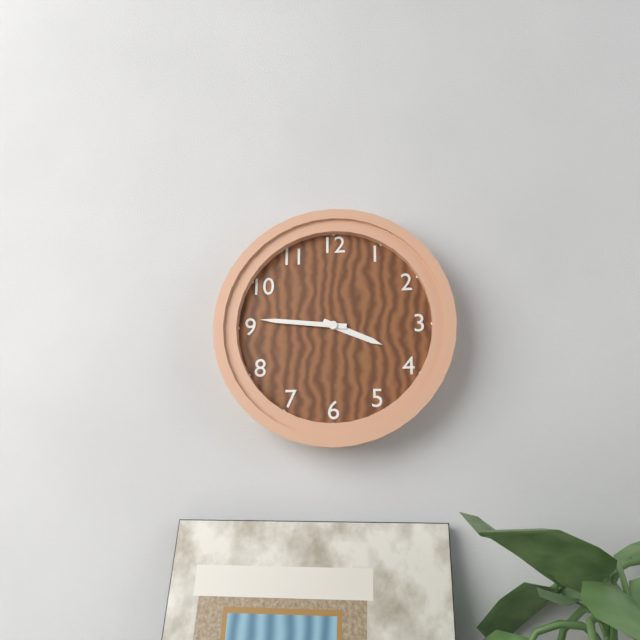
3,46
